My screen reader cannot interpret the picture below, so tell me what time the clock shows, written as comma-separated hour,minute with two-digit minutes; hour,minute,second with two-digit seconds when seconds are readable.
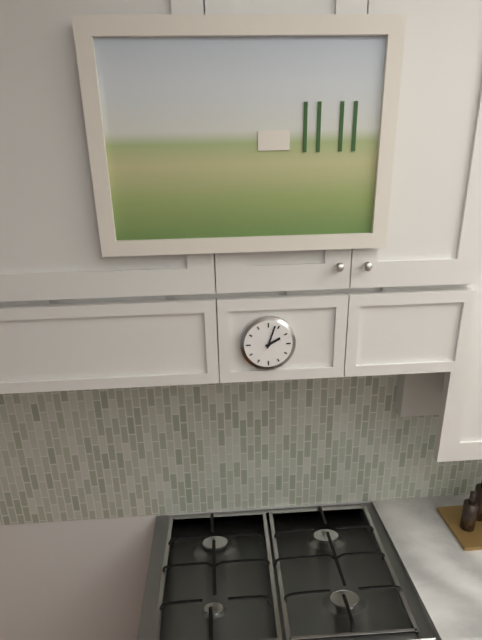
2,03
